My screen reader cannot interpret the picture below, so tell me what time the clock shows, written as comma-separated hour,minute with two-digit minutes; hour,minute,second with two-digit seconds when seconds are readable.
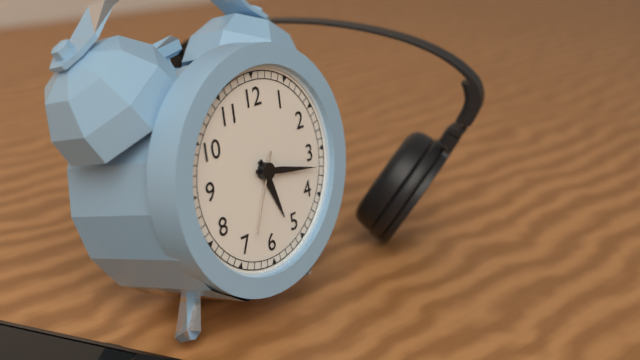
5,17,34
